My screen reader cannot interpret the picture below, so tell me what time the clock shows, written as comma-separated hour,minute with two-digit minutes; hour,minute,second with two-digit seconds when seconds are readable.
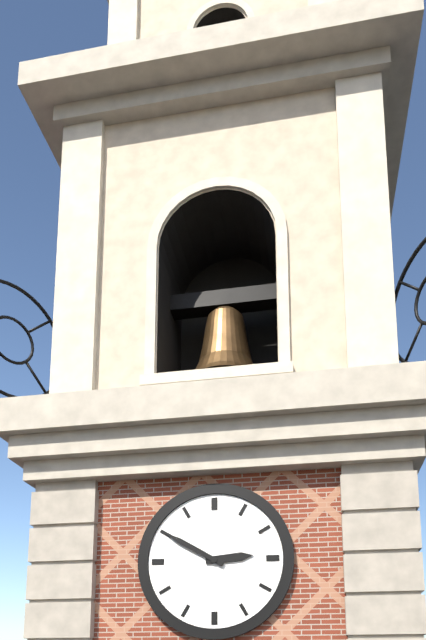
2,50
